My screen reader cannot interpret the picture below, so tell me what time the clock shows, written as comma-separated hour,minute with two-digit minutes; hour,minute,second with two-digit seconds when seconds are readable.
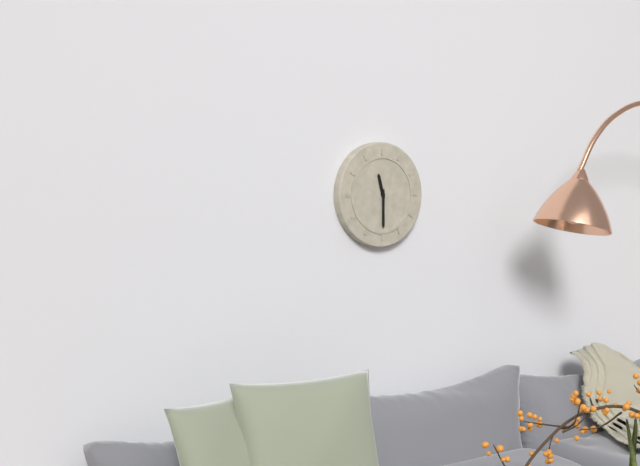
11,30
